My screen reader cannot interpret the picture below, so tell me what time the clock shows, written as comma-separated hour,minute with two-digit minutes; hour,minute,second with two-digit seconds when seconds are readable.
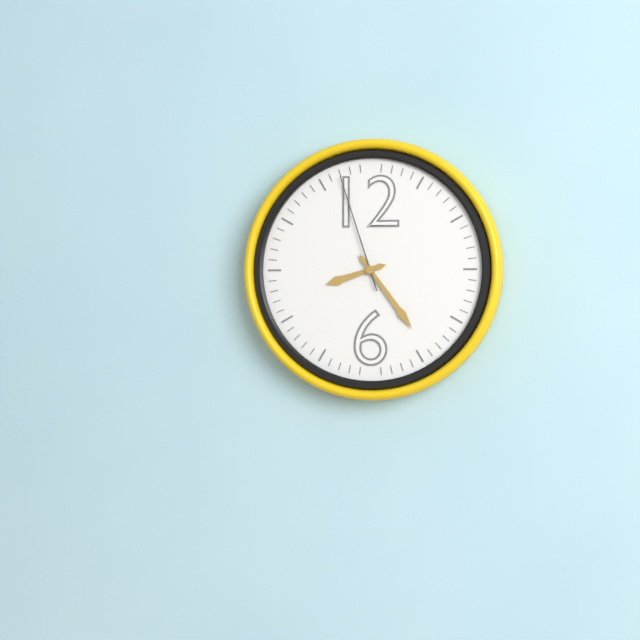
8,24,57
